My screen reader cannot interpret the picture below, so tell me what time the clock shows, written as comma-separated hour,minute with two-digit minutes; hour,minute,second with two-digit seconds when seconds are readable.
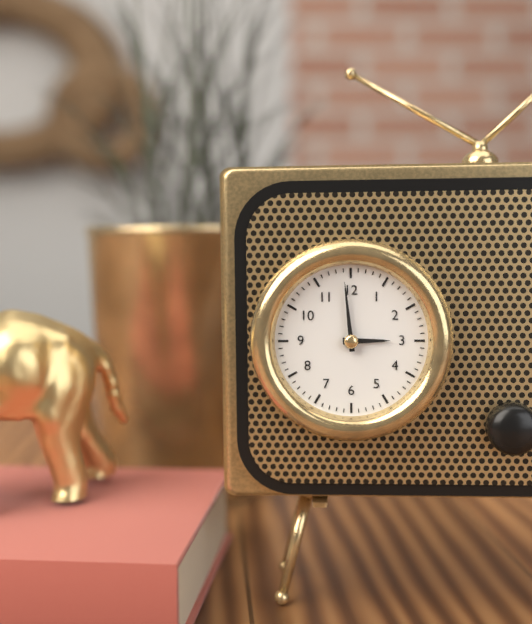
2,59
